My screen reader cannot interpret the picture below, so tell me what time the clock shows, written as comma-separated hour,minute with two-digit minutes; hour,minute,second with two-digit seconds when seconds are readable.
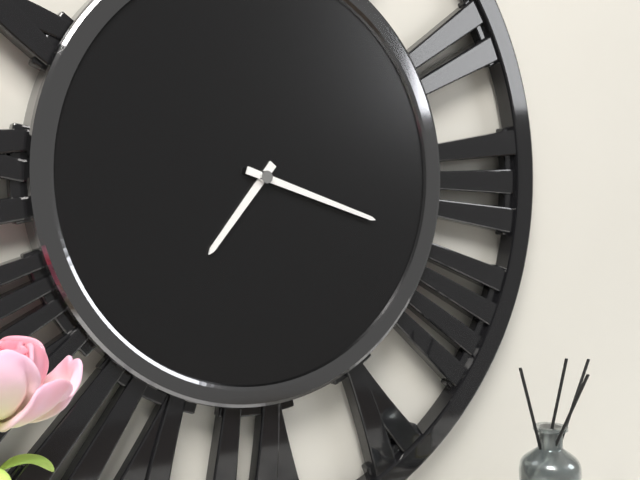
7,18
